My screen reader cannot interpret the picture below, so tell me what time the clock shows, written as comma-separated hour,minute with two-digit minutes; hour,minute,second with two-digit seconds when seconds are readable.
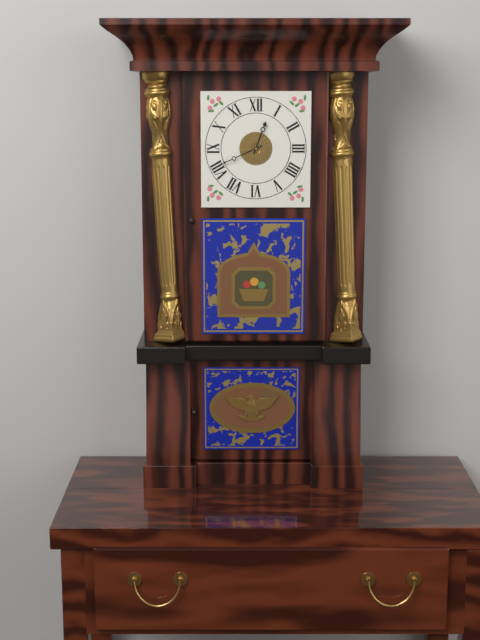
12,41
